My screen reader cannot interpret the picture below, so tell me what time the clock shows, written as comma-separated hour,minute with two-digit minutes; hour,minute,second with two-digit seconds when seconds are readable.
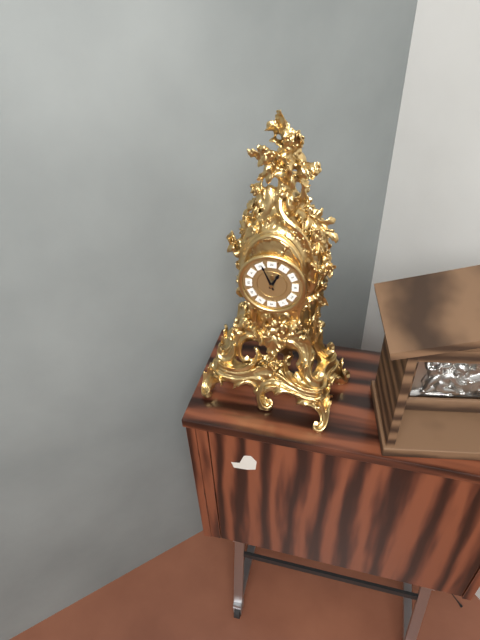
12,56
